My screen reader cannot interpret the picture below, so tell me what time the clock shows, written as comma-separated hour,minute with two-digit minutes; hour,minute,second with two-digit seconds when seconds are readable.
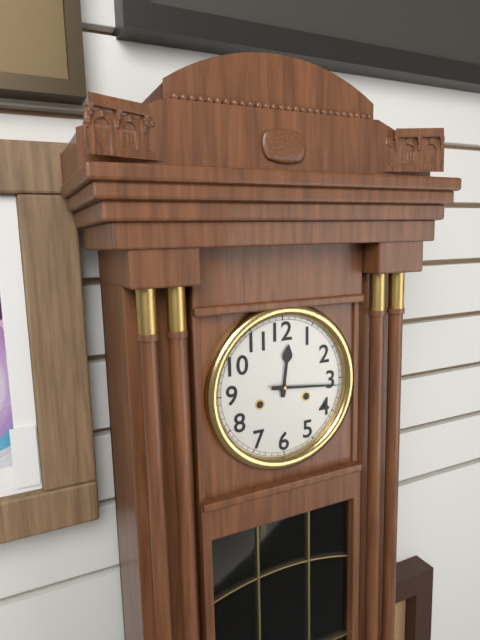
12,16
